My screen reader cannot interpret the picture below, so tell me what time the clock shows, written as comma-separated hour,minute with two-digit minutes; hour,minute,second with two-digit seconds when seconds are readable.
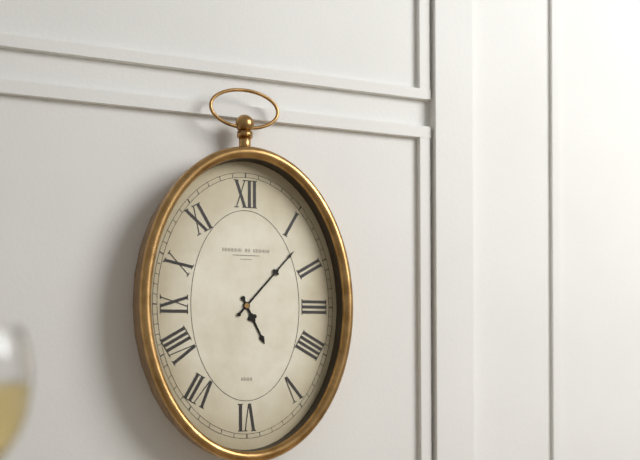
5,07
